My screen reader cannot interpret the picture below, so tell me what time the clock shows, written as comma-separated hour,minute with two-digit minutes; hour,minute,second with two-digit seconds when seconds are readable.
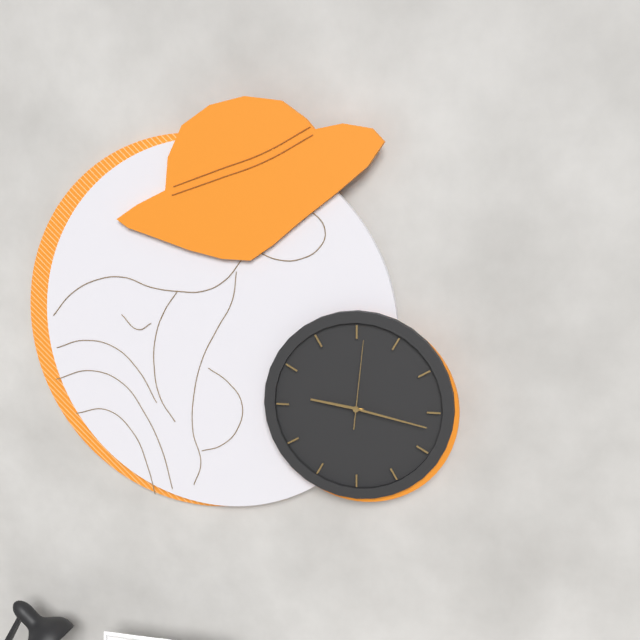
9,17,01
